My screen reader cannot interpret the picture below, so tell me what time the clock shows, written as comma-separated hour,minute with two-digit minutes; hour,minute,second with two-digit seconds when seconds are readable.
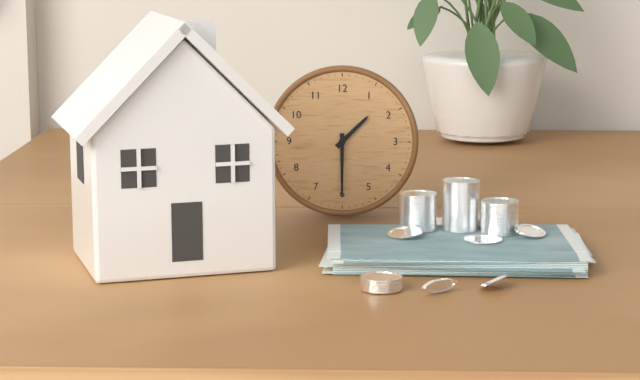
1,30
